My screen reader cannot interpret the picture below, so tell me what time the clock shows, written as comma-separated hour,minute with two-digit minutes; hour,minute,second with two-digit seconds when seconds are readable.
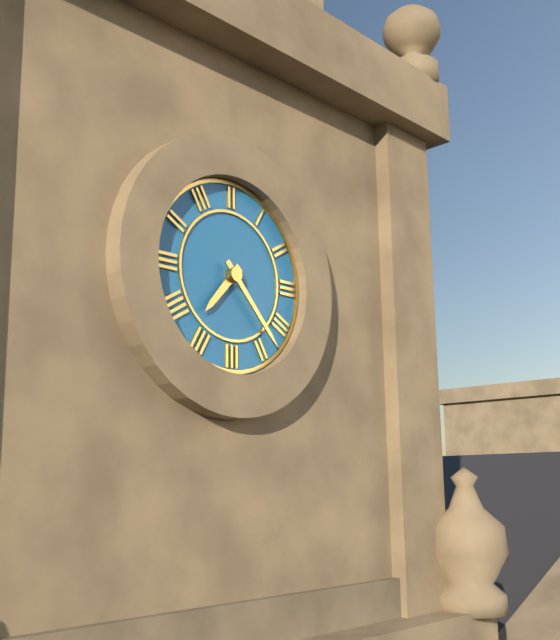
7,23
